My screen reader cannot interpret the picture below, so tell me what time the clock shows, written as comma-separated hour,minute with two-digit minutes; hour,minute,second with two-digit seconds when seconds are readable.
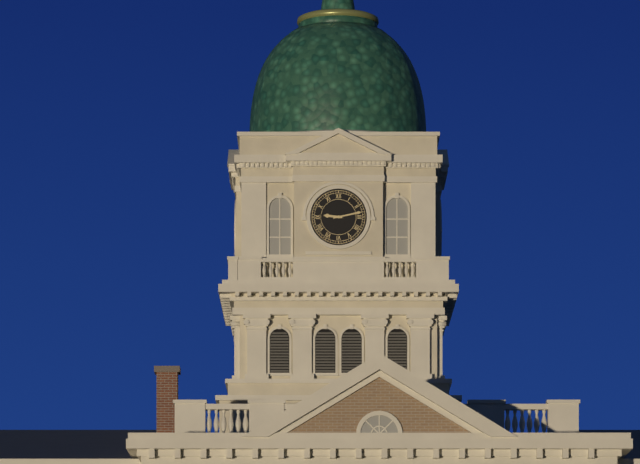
9,13
